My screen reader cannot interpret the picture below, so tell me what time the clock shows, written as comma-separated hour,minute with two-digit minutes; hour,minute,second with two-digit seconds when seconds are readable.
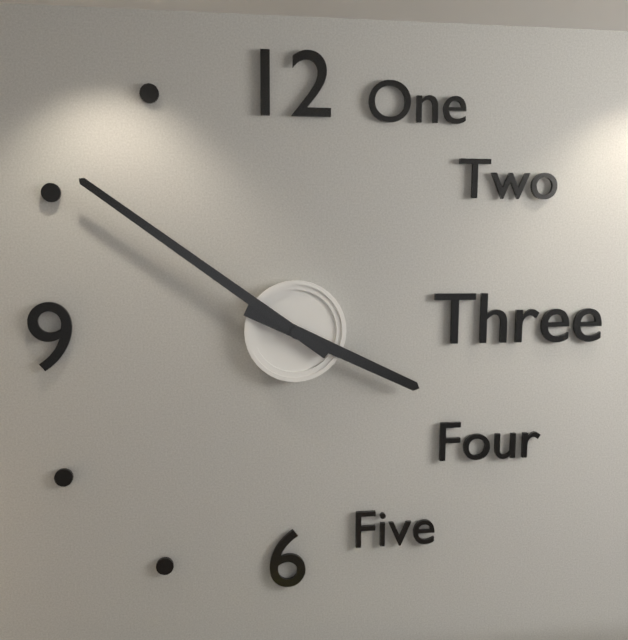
3,51
